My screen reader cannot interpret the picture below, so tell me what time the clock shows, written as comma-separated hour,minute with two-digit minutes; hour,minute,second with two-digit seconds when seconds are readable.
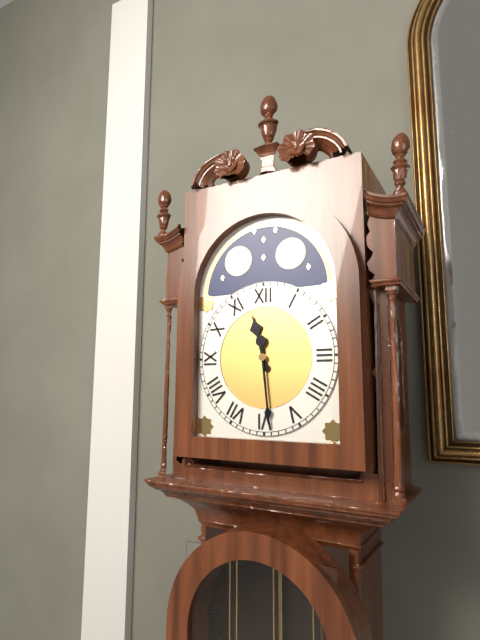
11,29
